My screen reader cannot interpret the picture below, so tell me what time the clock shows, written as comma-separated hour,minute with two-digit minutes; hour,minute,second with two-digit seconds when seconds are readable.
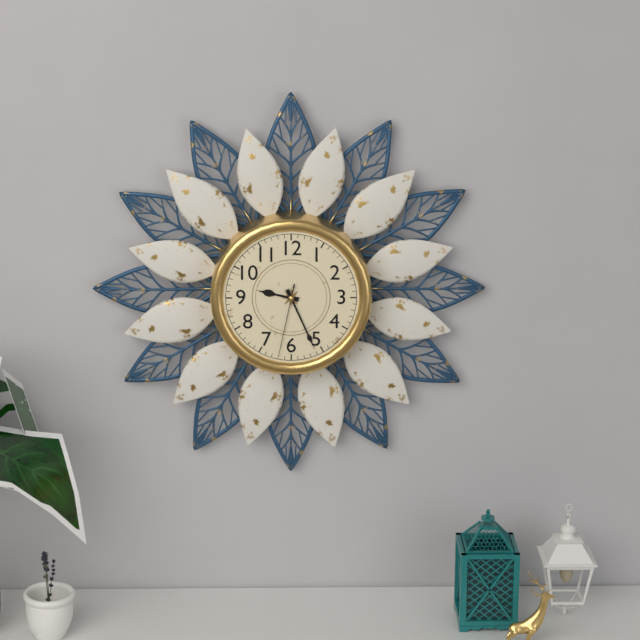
9,26,32
